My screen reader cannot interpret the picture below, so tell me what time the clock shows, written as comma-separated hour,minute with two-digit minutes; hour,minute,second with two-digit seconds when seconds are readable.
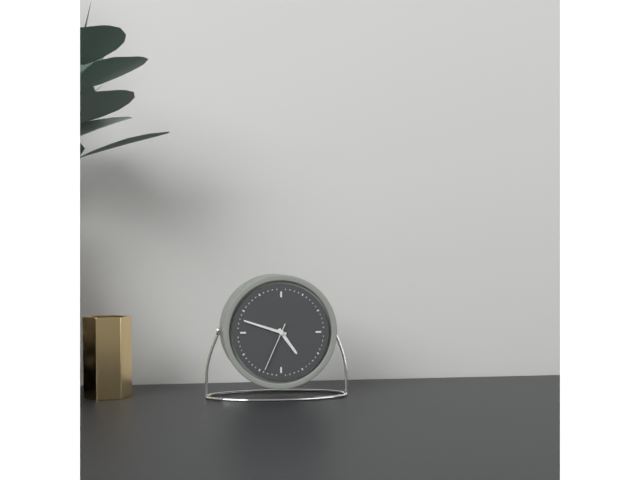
4,48,34
